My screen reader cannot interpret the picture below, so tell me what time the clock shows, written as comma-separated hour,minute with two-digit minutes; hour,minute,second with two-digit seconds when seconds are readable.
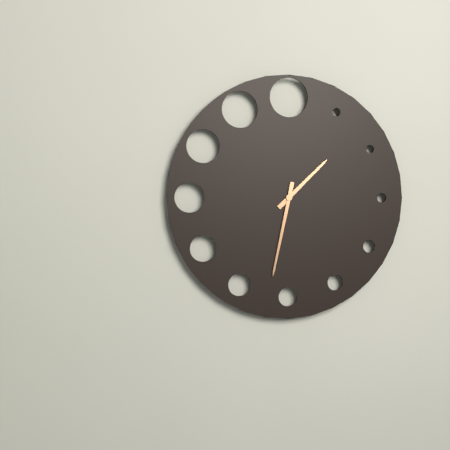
1,32
